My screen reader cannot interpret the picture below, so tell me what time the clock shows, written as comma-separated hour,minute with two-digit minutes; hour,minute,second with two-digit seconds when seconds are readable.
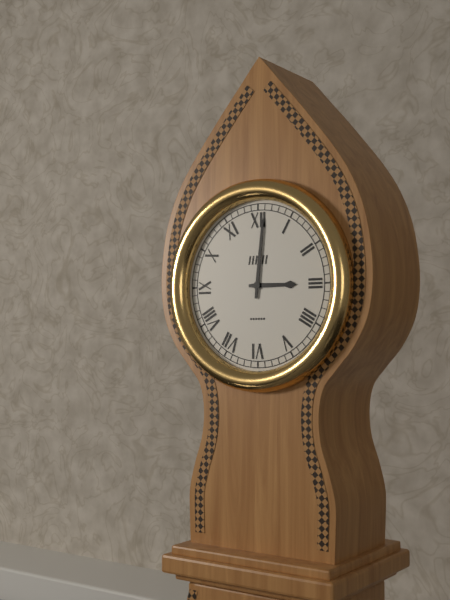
3,01
